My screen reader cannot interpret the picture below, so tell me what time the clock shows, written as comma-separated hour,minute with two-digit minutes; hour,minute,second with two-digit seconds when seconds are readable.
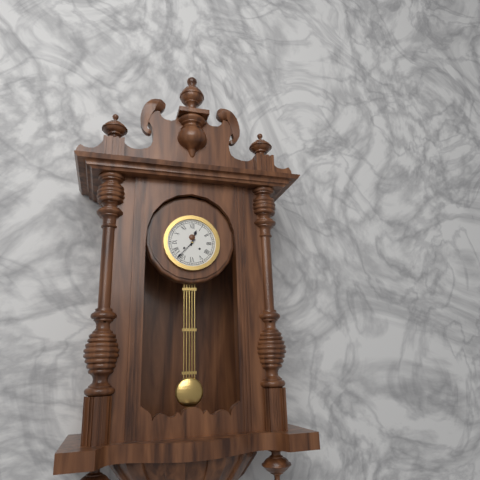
12,37
